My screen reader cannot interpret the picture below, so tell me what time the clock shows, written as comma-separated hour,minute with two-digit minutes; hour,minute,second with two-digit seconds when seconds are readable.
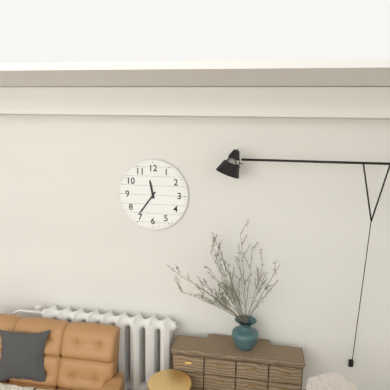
11,36
